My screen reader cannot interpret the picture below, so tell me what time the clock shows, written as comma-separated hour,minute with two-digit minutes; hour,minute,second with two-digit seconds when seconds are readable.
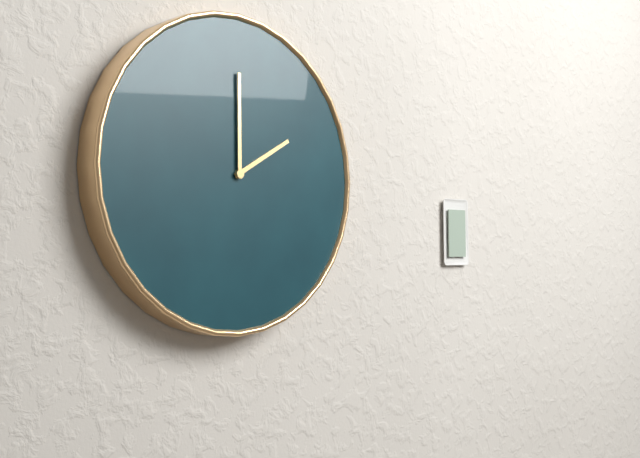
2,00
